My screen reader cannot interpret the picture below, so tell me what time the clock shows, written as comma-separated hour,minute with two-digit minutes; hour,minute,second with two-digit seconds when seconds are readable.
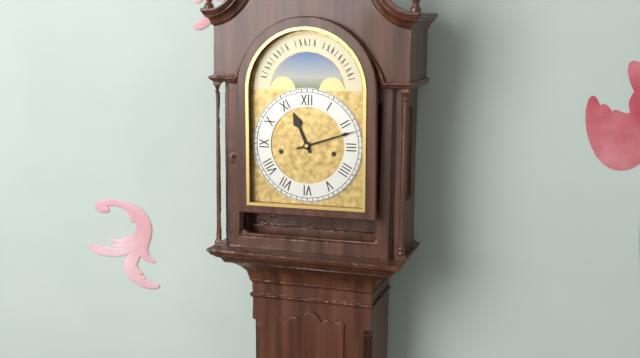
11,12
